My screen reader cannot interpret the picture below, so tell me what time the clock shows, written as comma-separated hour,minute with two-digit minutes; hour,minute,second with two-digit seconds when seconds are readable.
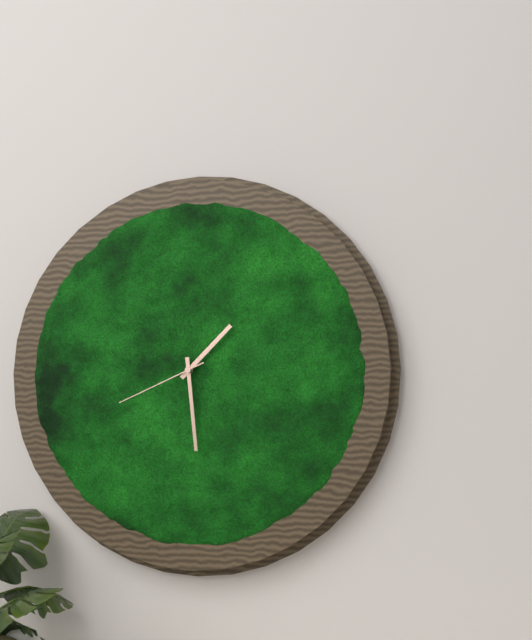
1,29,41
